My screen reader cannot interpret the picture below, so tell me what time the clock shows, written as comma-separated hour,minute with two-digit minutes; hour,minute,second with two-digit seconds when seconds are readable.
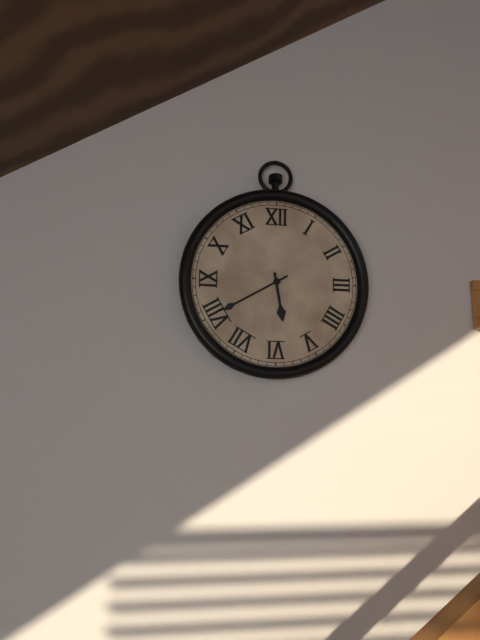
5,40
